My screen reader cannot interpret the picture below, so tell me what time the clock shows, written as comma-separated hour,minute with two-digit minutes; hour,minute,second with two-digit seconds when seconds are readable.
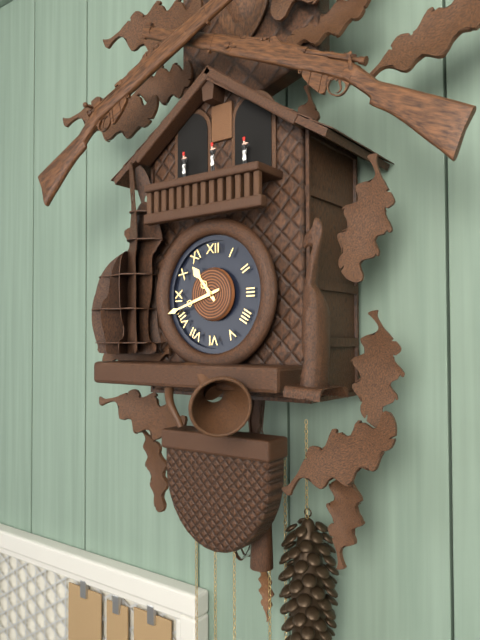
10,42
